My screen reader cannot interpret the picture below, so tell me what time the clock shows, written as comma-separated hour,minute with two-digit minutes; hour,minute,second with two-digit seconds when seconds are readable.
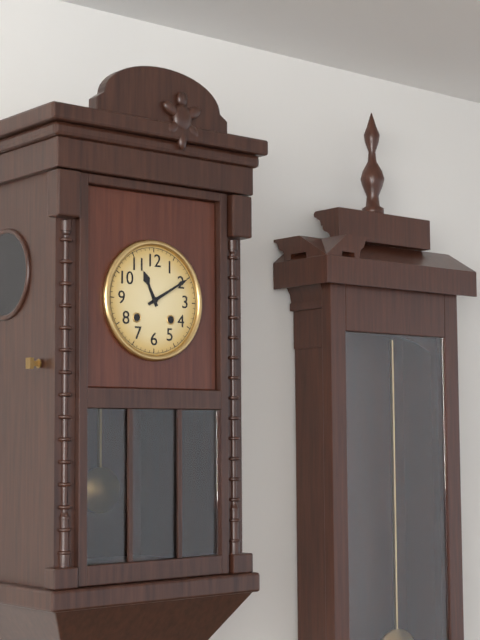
11,10
